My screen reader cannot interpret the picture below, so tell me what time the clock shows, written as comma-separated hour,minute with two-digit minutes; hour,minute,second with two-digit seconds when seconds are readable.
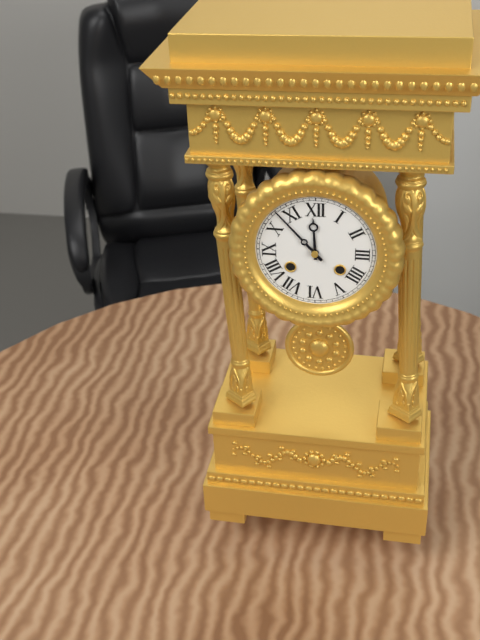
11,53
